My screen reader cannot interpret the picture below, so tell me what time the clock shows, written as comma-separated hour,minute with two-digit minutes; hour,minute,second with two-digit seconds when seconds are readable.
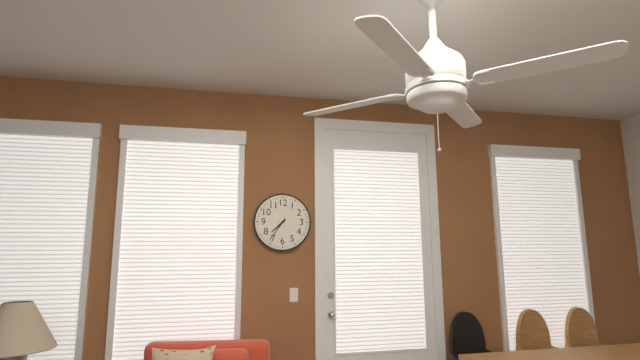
7,36
